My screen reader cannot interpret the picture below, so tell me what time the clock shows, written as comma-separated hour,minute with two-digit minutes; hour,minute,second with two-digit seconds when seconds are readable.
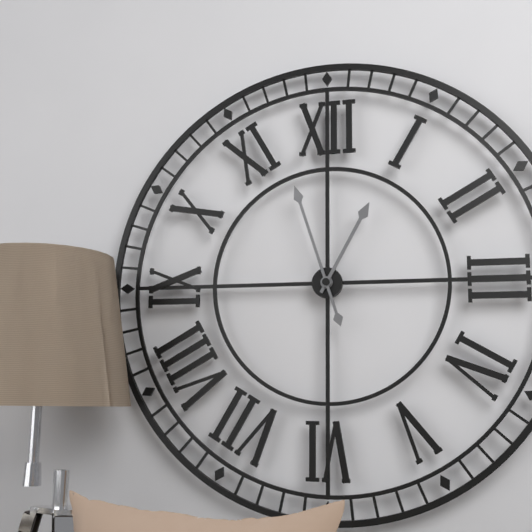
12,57
